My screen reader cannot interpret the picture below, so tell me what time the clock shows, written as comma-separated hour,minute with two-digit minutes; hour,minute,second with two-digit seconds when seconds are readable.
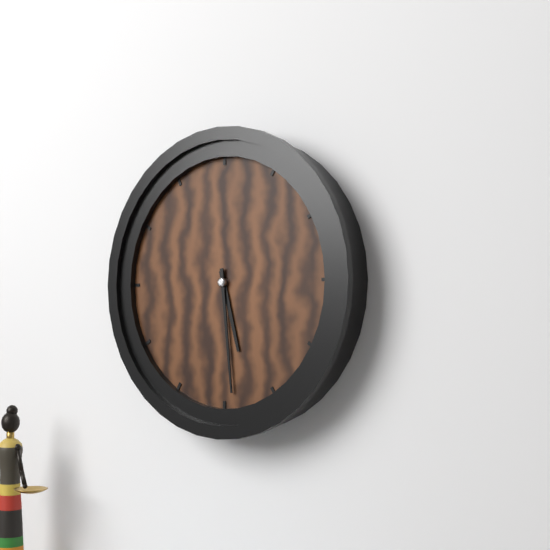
5,29
